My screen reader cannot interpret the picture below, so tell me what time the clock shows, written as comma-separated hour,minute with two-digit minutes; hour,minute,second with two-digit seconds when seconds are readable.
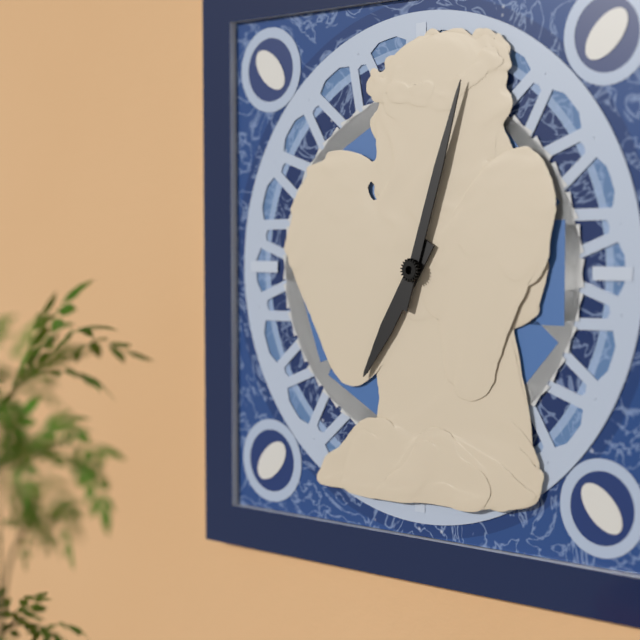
7,03
